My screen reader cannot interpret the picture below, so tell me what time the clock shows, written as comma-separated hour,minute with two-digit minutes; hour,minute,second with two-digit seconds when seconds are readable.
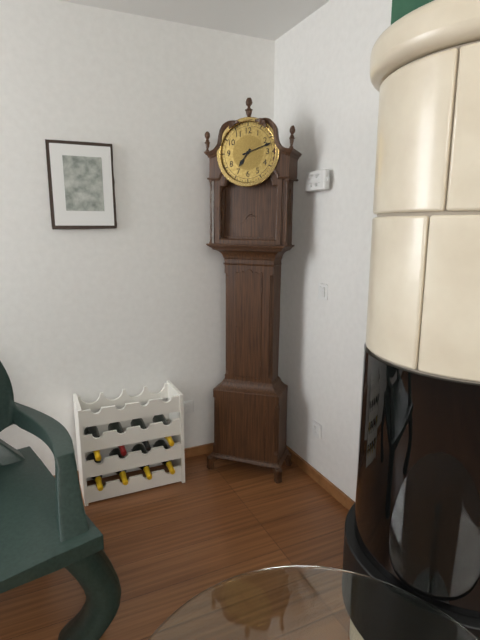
7,12
